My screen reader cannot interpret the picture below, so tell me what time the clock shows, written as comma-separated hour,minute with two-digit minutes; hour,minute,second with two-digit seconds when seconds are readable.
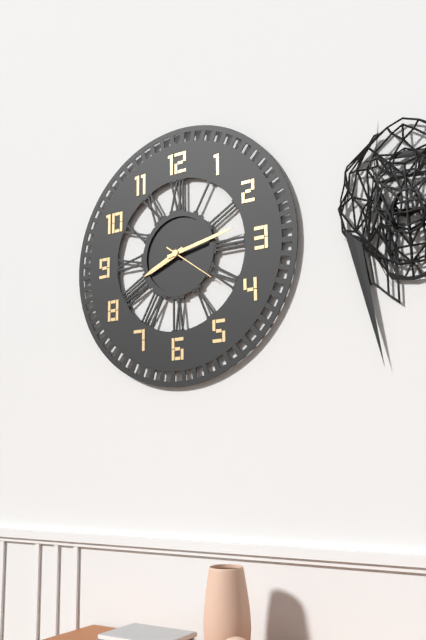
8,13,21
